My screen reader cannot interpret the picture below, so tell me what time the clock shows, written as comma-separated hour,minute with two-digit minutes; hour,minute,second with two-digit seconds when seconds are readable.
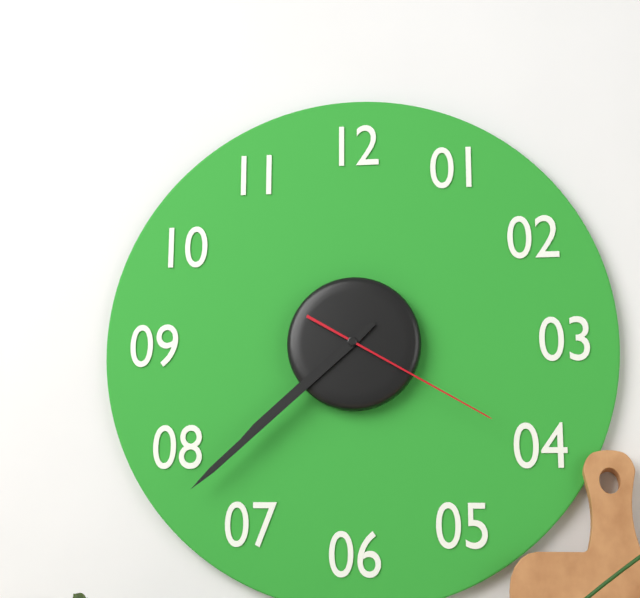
7,38,20
